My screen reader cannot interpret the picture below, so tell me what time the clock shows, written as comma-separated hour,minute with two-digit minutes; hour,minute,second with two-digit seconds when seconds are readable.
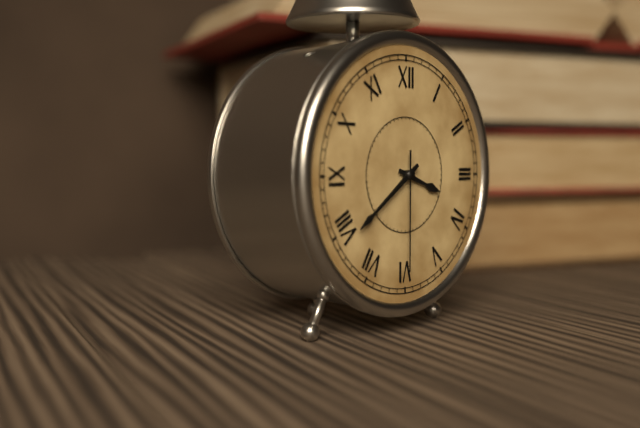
3,39,30
